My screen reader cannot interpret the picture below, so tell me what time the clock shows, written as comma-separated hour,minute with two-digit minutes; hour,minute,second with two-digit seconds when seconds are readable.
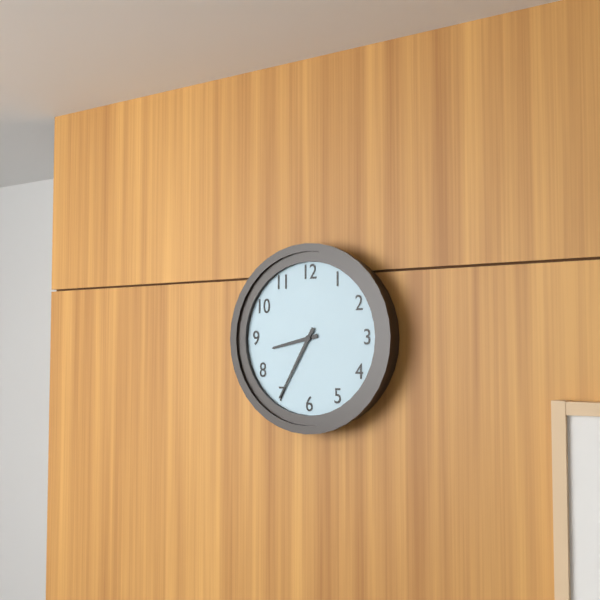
8,35
